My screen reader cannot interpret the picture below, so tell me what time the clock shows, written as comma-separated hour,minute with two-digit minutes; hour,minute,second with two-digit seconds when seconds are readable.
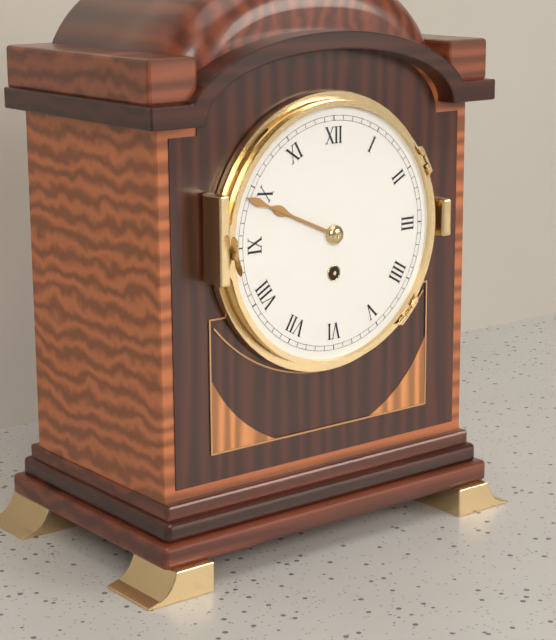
9,49
